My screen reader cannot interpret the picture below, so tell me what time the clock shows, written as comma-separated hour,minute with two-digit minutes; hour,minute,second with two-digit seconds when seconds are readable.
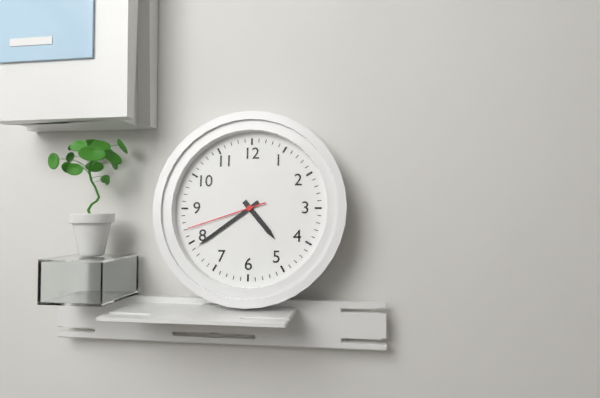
4,39,42
